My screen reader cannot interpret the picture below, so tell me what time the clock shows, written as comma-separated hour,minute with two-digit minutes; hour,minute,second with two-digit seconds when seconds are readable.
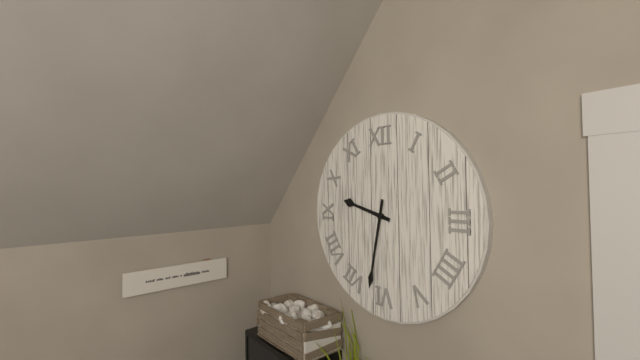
9,32
